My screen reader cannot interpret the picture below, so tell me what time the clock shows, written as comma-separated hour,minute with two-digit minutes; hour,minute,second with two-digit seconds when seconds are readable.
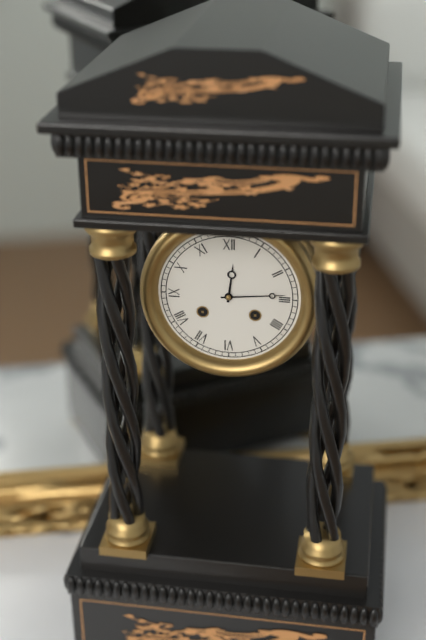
12,14
